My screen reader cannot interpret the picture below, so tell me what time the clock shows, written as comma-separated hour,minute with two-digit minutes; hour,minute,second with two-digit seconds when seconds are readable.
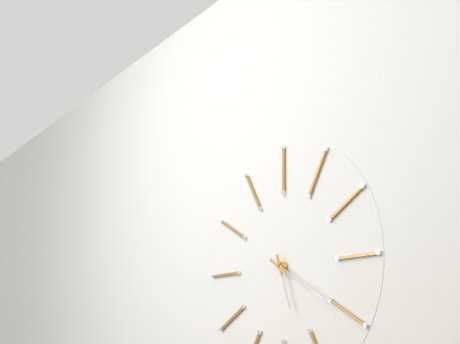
5,20
